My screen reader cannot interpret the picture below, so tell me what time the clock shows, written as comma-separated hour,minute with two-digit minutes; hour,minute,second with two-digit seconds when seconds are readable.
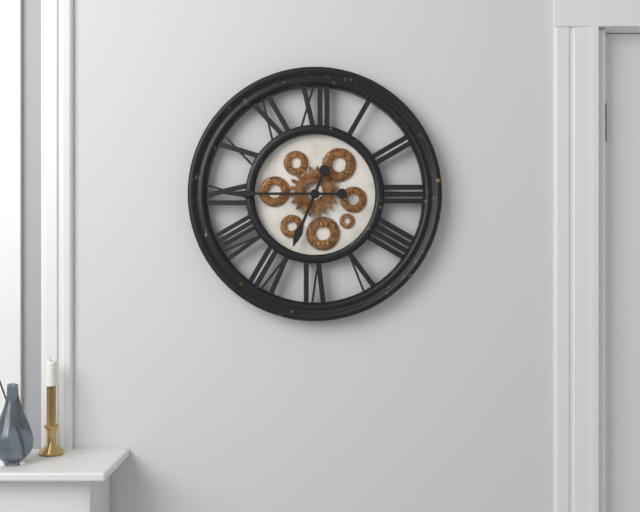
6,45
